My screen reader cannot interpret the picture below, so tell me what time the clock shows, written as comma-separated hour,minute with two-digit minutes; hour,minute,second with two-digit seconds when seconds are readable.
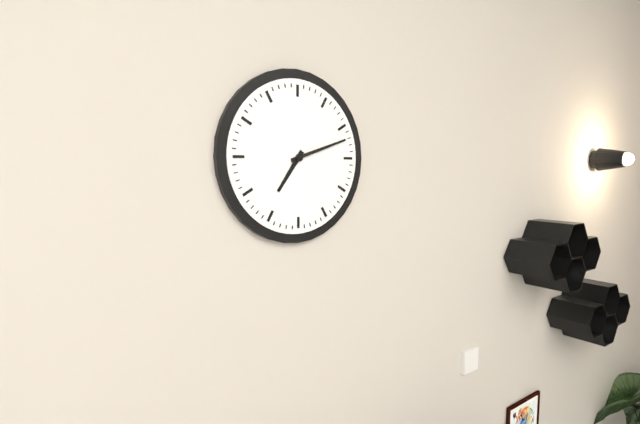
7,12
